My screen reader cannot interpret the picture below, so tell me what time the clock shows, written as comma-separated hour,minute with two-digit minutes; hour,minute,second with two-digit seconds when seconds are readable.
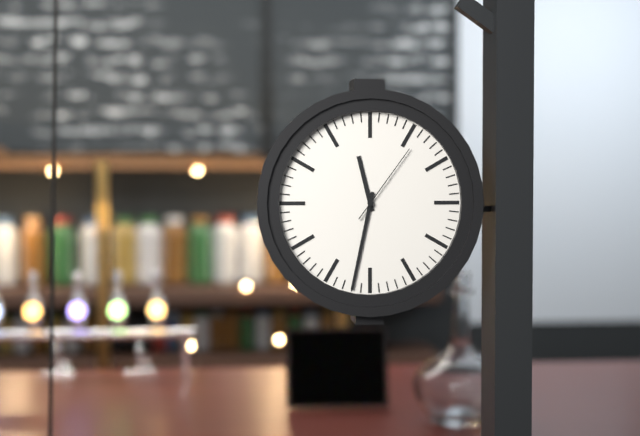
11,32,06
